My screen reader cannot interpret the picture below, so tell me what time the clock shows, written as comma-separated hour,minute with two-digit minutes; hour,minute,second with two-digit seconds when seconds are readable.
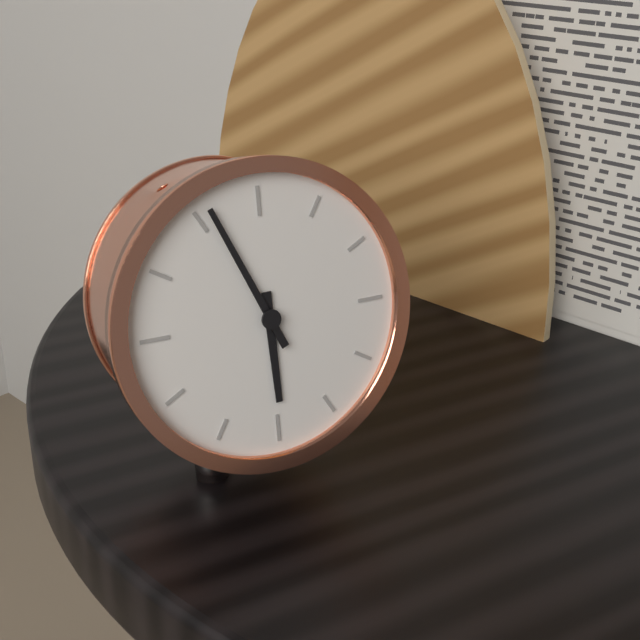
5,56
